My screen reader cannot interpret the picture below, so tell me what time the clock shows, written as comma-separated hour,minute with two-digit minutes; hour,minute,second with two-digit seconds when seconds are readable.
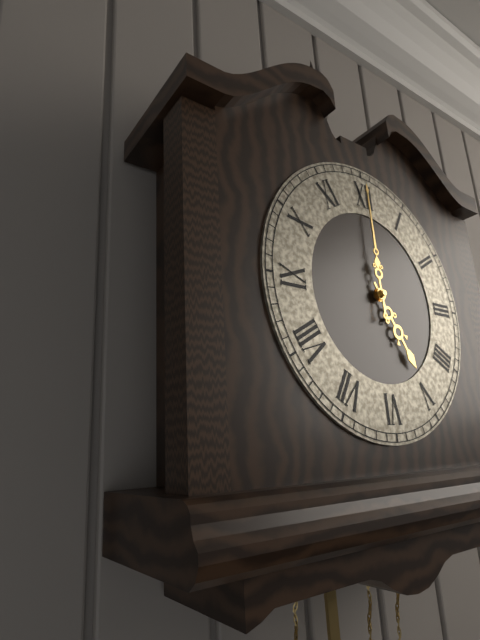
5,00
